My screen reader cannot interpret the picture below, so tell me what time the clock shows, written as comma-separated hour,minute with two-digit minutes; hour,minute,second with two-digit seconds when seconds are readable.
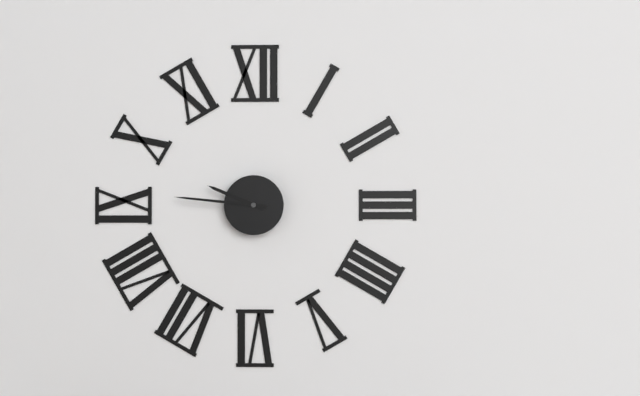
9,46
